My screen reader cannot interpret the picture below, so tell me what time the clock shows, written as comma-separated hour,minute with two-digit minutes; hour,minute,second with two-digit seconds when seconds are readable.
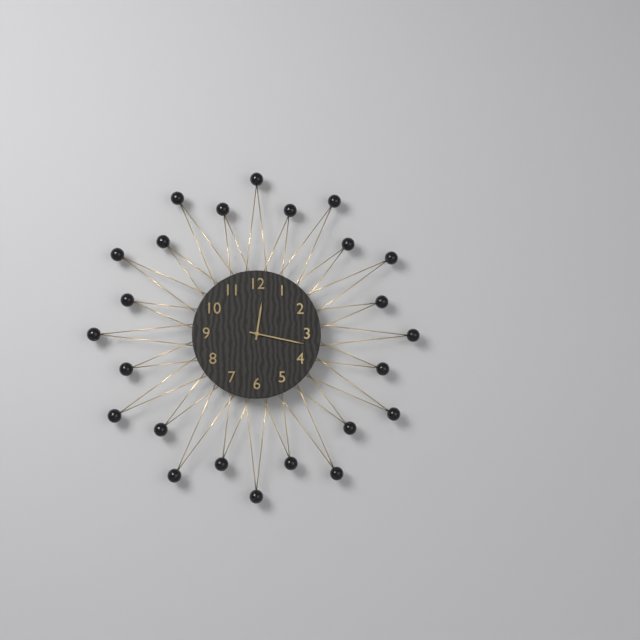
12,17
